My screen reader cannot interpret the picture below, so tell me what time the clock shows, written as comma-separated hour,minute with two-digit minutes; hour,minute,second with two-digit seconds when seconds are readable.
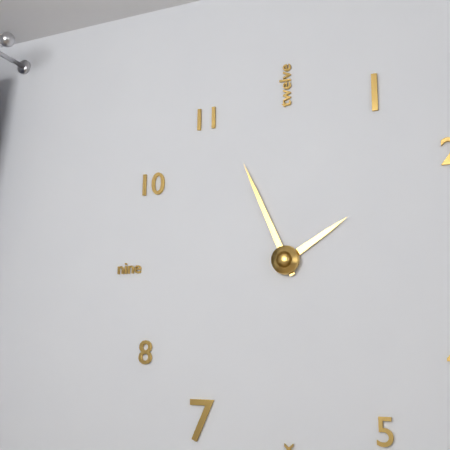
1,56
